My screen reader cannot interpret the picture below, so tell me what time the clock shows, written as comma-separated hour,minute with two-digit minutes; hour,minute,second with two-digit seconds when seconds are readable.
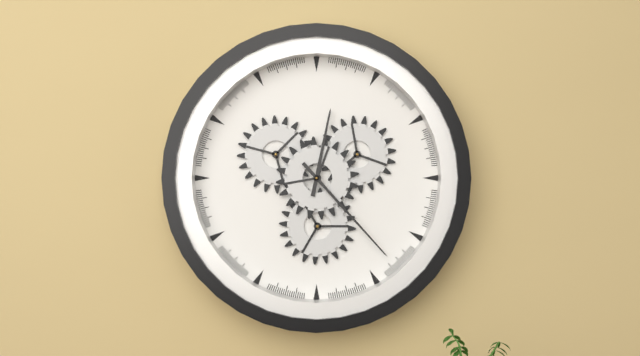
12,23
